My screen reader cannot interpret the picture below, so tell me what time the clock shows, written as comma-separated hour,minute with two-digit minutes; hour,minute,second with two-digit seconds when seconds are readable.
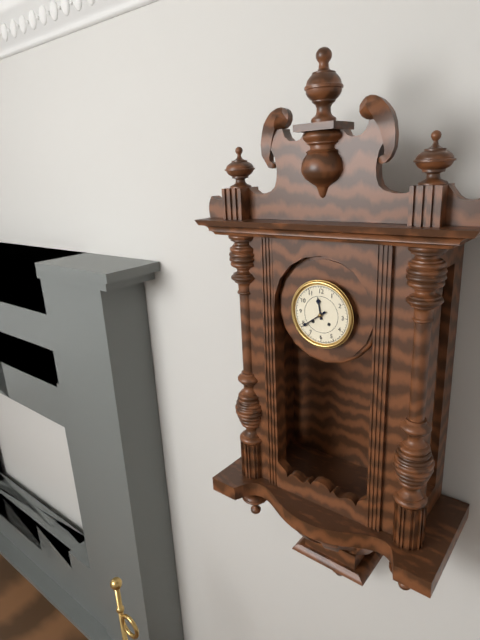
11,39
